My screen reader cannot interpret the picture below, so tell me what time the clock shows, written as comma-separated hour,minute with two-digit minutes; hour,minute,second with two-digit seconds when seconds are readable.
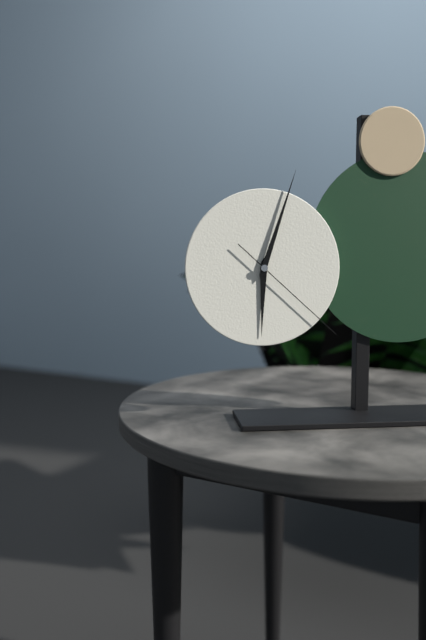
6,03,22
